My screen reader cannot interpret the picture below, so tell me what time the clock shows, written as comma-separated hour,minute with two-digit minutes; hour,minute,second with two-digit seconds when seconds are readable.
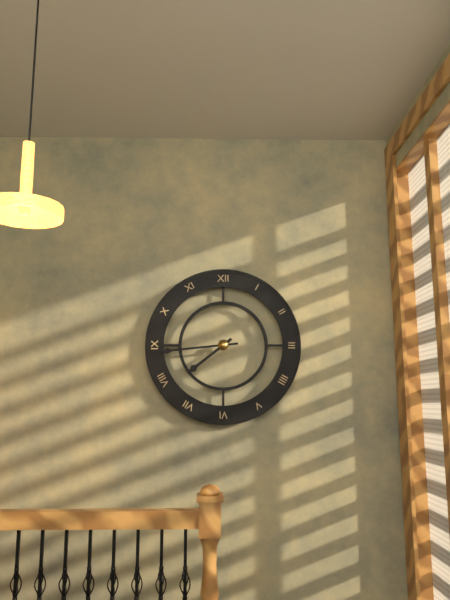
7,44
